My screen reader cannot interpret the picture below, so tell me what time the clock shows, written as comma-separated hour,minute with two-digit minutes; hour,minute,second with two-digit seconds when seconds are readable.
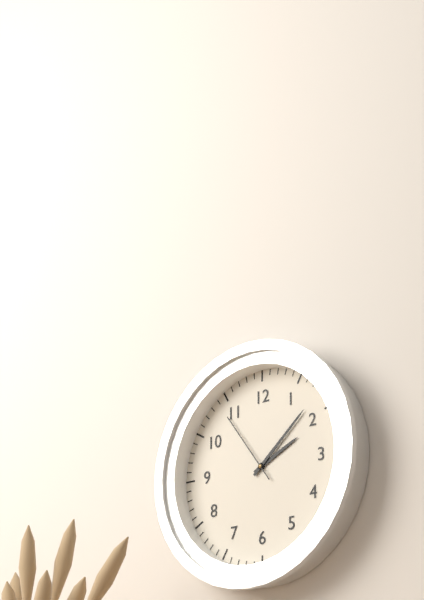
2,08,54
